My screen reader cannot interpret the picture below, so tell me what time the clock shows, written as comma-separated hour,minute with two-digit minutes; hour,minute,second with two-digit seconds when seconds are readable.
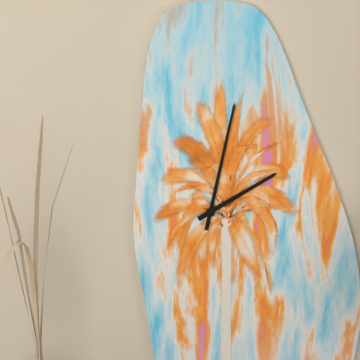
2,02
